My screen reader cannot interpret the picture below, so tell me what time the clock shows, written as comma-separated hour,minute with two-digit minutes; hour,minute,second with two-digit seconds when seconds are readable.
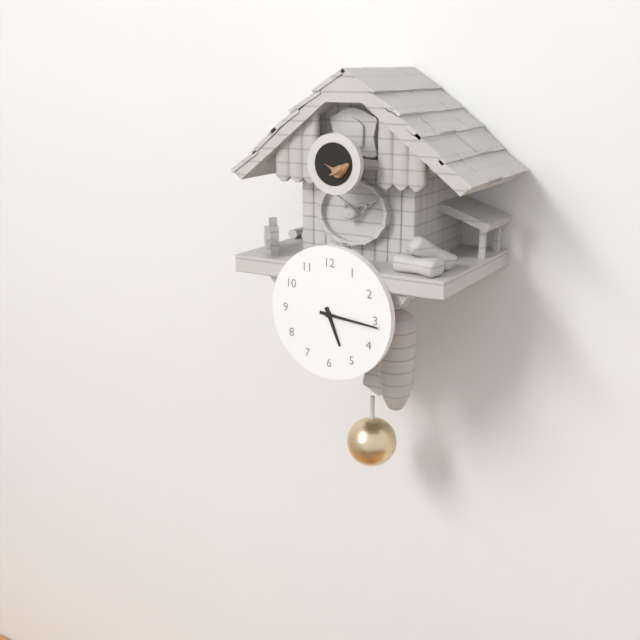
5,16
